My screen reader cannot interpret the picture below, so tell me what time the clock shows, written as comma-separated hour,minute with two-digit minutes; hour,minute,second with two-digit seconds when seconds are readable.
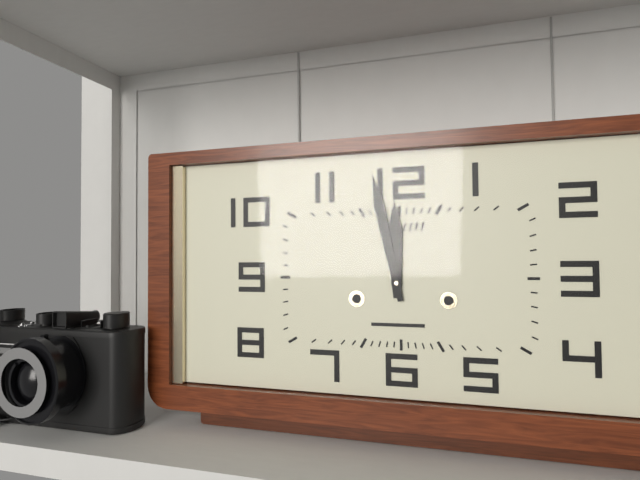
11,58
